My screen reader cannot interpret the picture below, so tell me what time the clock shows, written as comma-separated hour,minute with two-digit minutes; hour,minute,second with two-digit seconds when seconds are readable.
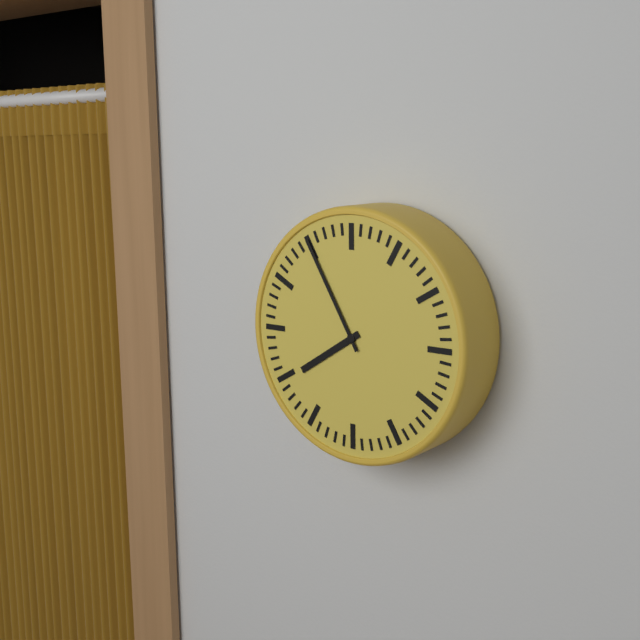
7,55
